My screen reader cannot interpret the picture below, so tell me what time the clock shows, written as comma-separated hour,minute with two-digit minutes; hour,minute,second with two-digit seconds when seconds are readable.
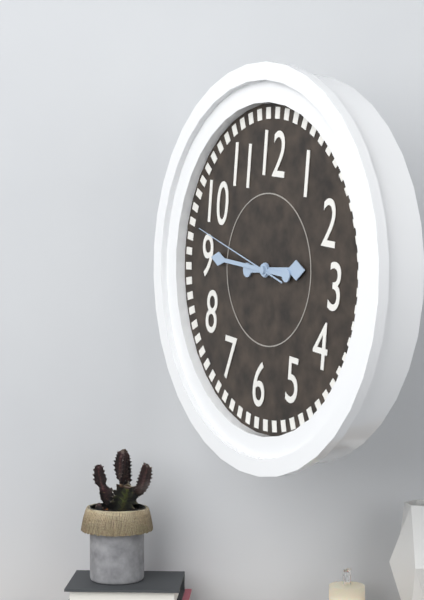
2,45,47
